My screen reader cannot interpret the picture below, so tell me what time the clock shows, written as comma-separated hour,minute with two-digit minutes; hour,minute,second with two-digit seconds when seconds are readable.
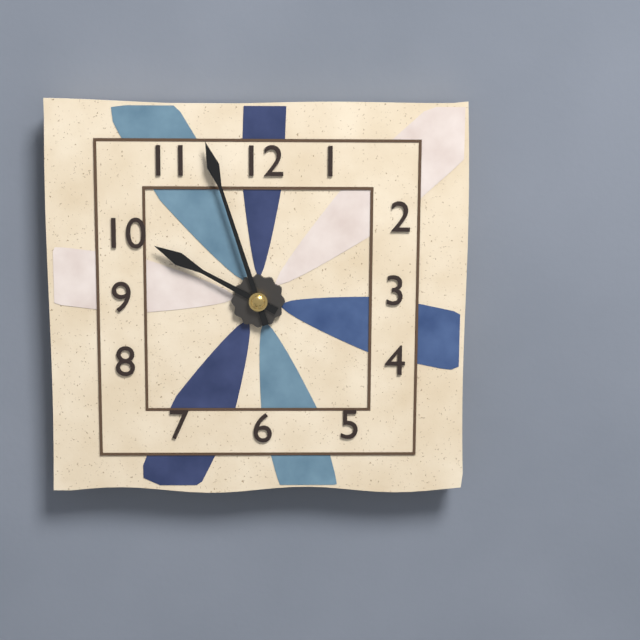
9,57
